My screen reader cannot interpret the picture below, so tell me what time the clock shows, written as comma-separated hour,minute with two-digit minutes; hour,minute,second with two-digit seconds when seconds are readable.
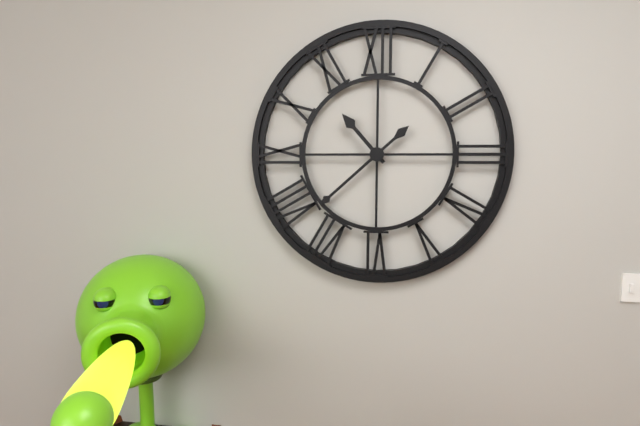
10,38
